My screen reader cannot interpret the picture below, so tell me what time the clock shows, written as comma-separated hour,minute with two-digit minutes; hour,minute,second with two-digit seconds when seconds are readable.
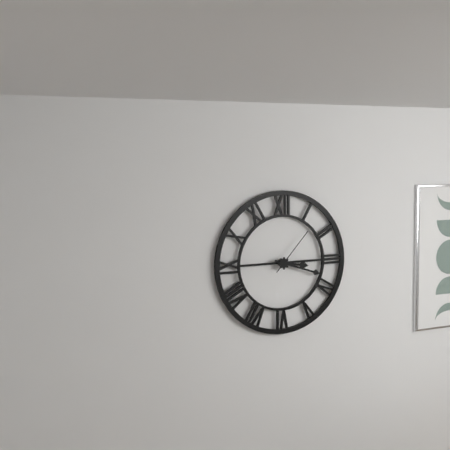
3,18,07
